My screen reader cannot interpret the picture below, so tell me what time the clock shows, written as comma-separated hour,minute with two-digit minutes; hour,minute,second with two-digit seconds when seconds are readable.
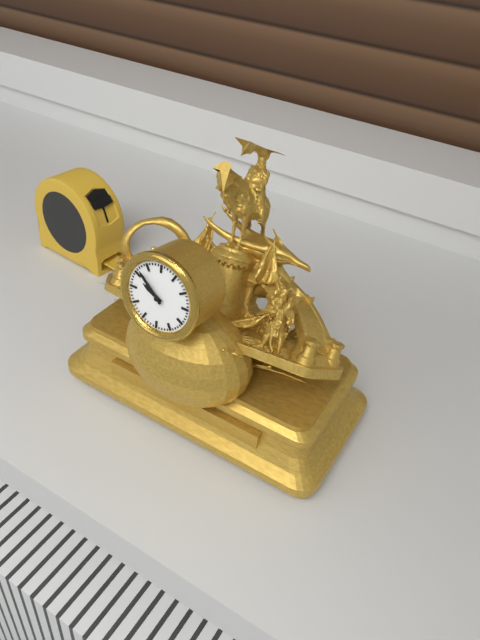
9,52
